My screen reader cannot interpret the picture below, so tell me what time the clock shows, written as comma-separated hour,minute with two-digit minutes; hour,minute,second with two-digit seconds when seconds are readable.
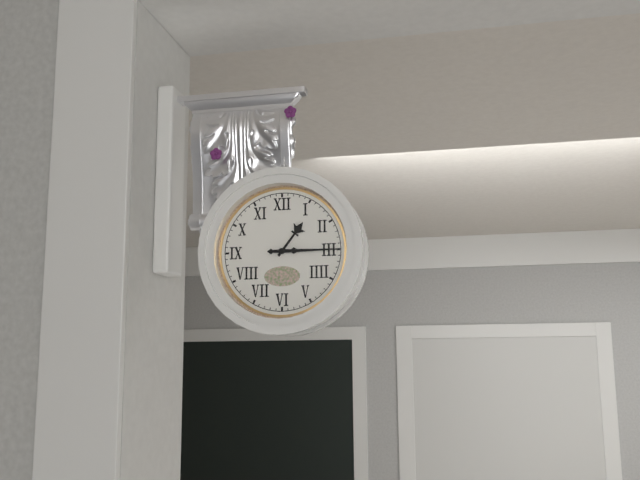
1,15
